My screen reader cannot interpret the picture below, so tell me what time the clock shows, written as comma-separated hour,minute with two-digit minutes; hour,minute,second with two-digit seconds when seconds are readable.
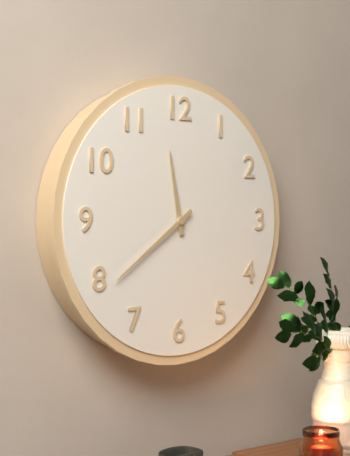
11,39
